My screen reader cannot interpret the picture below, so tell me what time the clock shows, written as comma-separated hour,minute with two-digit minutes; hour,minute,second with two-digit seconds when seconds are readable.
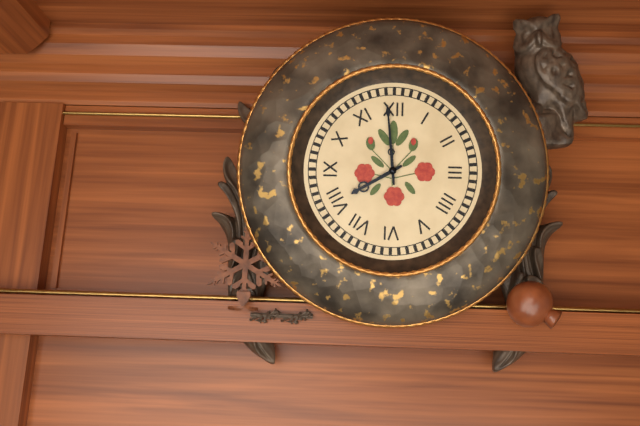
7,59
